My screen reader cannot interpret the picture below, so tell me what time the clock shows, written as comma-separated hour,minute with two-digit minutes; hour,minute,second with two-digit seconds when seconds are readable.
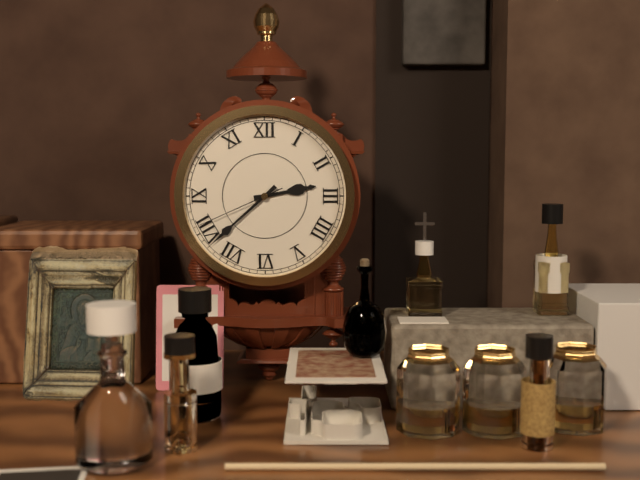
2,38,41
